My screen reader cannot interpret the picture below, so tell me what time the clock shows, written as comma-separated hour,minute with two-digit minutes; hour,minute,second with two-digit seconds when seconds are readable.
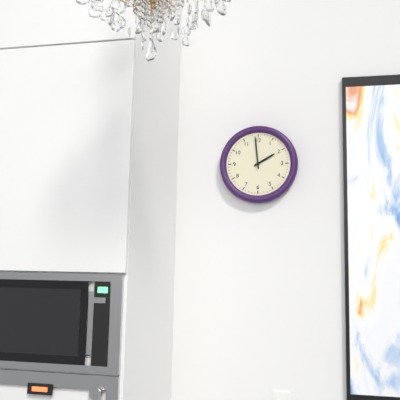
1,59
